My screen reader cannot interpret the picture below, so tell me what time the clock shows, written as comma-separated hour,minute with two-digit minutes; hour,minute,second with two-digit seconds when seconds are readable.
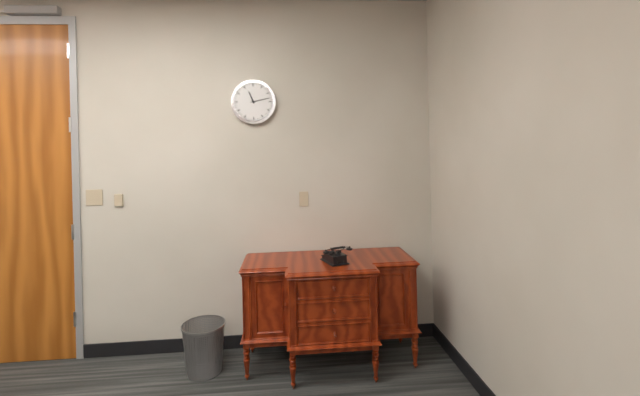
11,13
